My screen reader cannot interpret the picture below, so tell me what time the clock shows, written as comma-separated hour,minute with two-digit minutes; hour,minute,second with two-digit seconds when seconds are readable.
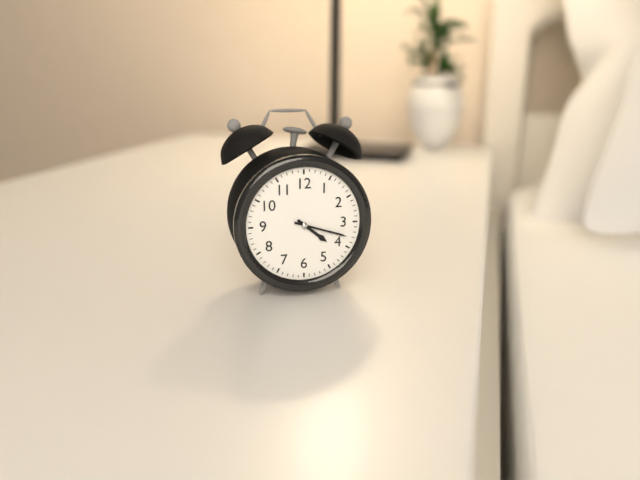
4,18
